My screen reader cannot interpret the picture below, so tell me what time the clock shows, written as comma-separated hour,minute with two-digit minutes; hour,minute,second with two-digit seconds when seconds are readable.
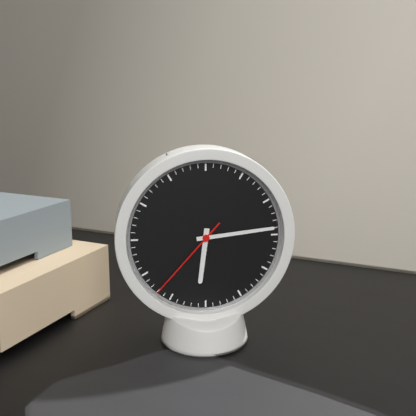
6,14,37
